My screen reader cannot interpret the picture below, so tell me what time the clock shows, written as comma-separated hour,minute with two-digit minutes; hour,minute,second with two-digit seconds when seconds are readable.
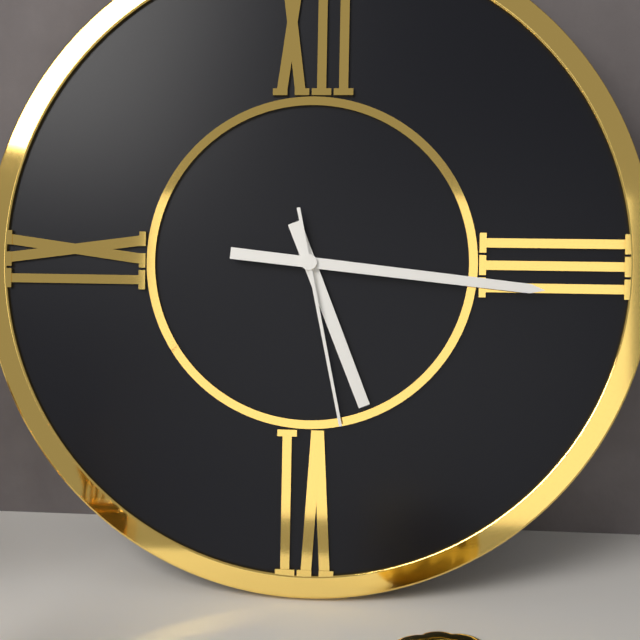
5,16,28
